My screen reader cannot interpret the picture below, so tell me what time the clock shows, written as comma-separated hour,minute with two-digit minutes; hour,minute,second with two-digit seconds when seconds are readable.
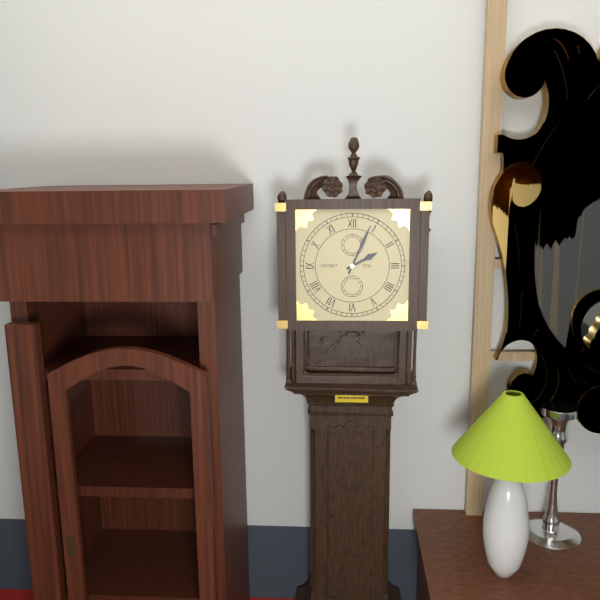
2,04
